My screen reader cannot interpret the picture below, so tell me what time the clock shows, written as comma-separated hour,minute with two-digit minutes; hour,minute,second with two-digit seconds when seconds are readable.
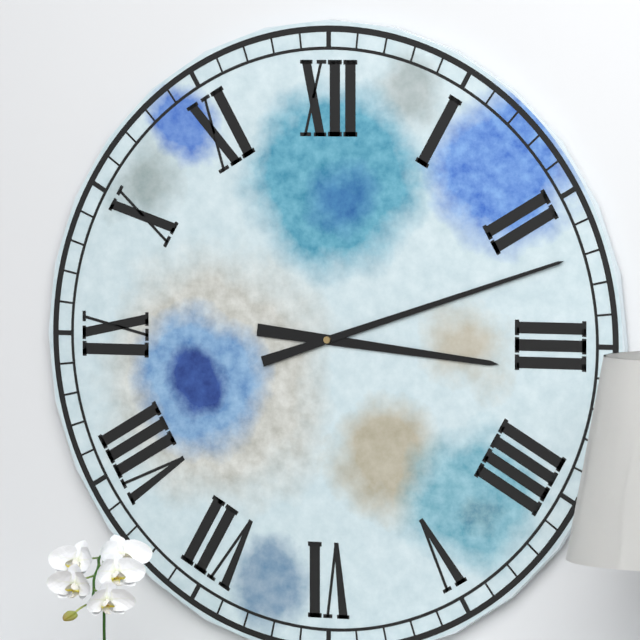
3,12
